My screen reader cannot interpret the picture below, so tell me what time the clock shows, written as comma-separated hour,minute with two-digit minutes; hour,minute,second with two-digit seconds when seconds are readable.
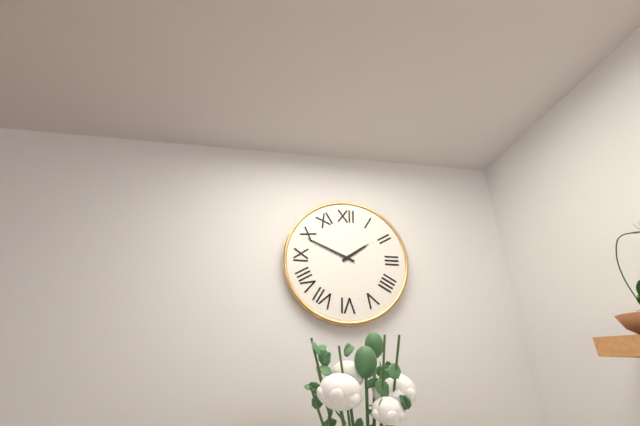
1,49
